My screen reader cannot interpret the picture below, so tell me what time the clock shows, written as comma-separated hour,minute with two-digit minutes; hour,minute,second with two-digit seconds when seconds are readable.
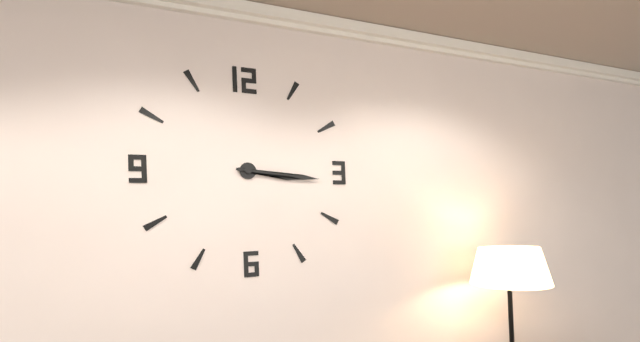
3,16
